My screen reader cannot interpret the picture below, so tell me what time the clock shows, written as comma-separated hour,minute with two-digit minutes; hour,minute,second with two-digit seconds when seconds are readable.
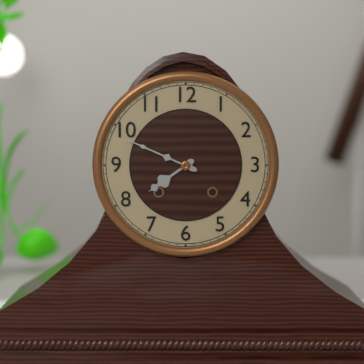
7,49
